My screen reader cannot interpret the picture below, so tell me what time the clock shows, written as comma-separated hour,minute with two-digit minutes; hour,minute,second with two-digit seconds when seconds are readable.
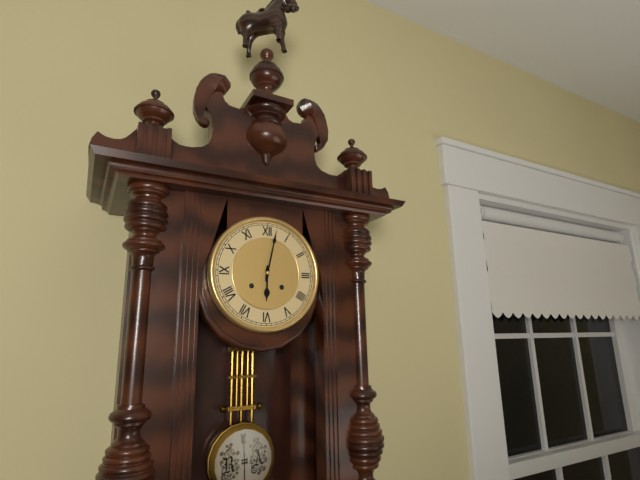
6,02
